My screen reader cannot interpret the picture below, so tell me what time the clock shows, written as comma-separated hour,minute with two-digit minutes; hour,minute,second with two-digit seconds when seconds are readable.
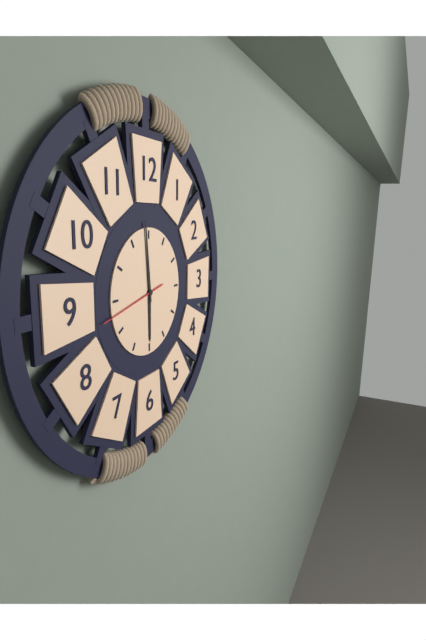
5,59,43
